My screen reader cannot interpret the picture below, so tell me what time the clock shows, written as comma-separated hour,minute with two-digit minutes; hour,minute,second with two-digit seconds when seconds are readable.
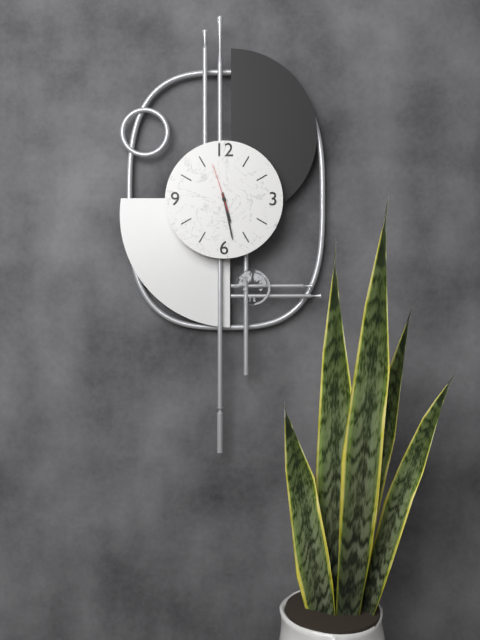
5,28
